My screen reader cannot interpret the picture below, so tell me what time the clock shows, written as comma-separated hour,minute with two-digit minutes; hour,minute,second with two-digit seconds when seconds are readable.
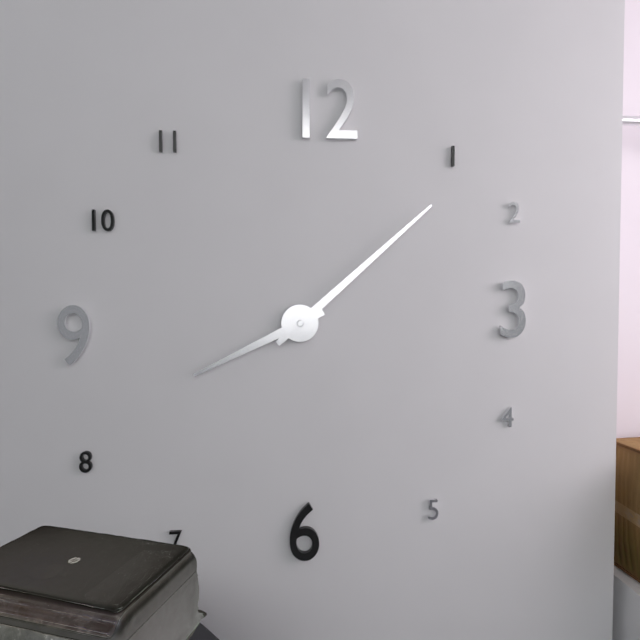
8,08
